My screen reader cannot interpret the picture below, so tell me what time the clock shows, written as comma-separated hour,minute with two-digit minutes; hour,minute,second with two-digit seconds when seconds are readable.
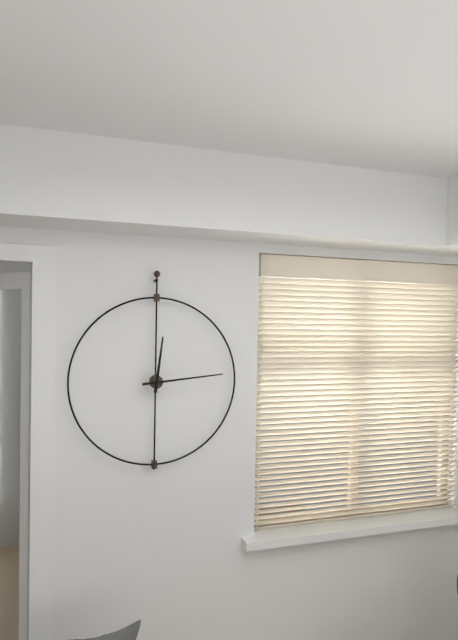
12,14
